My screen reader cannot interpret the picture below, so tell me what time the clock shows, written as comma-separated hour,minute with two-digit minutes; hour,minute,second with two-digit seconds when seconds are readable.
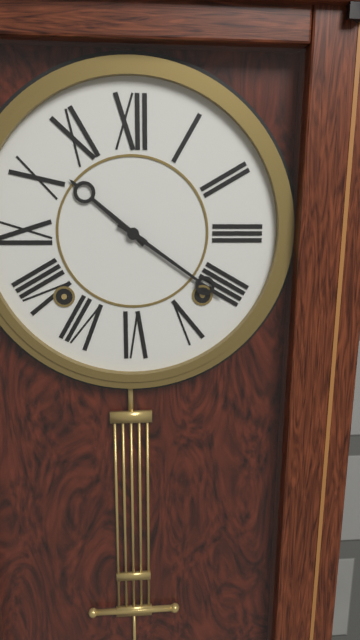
10,21
